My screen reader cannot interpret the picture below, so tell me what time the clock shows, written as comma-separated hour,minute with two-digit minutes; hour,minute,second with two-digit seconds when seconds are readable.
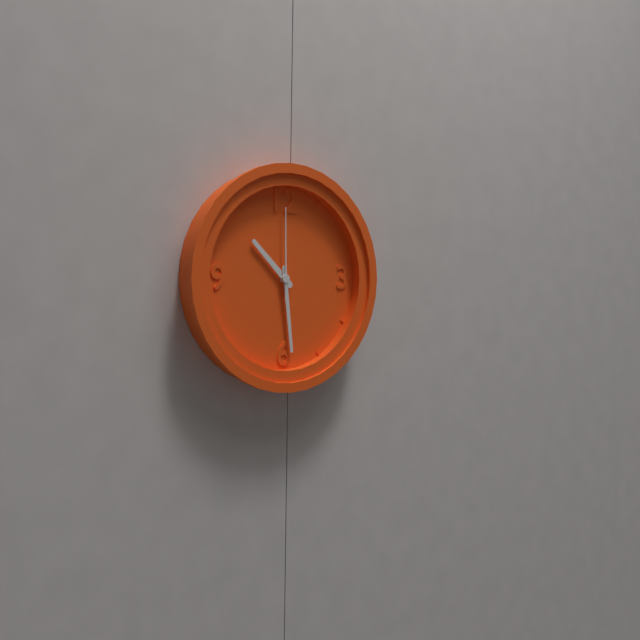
10,29,00
